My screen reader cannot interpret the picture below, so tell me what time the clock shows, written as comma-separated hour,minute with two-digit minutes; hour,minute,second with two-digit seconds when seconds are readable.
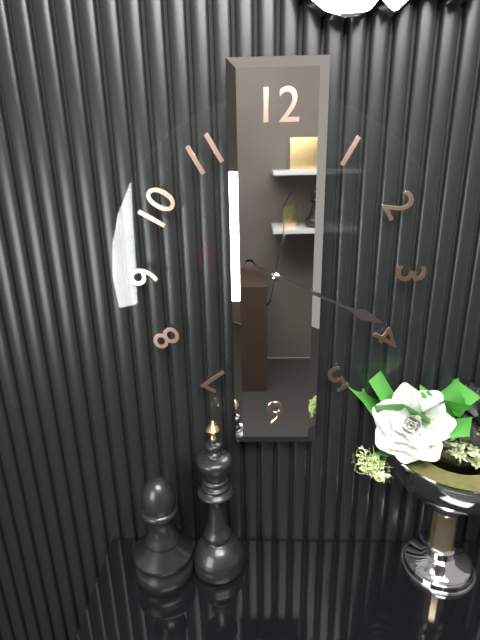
12,19
